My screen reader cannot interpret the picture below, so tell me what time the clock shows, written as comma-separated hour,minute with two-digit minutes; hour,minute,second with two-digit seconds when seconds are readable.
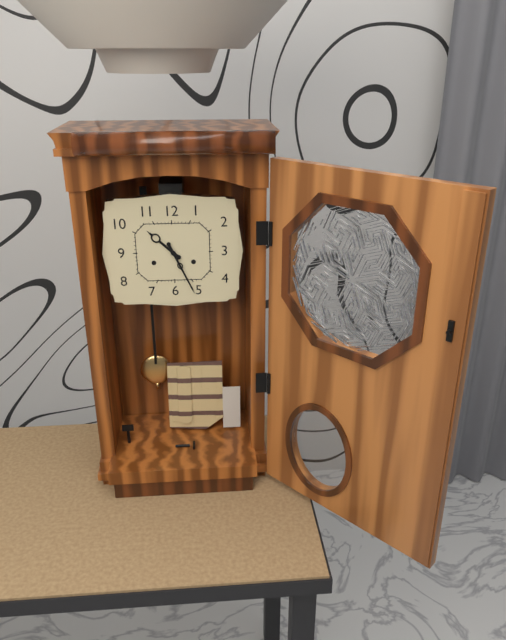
10,26
